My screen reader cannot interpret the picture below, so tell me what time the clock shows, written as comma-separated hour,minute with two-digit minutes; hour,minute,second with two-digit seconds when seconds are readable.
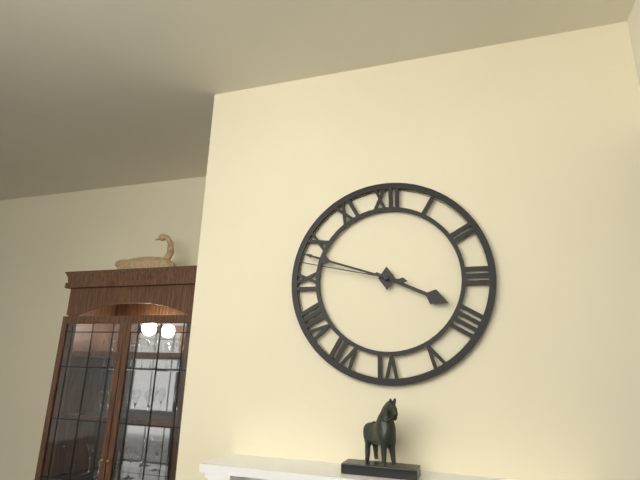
3,48,47
